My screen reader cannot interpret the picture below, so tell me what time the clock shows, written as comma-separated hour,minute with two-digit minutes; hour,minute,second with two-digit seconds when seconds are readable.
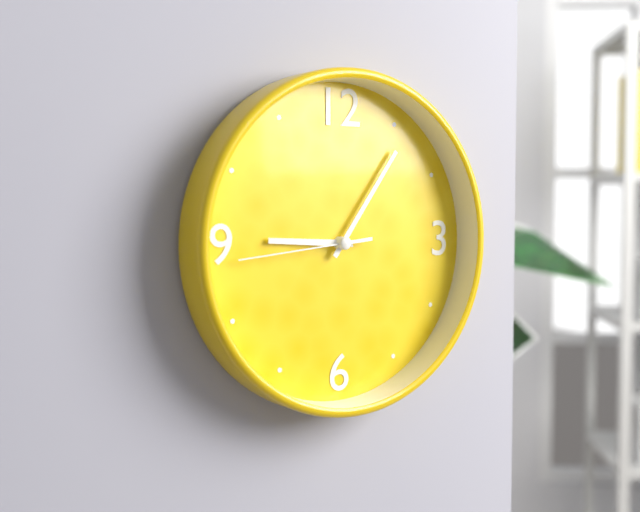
9,06,44
